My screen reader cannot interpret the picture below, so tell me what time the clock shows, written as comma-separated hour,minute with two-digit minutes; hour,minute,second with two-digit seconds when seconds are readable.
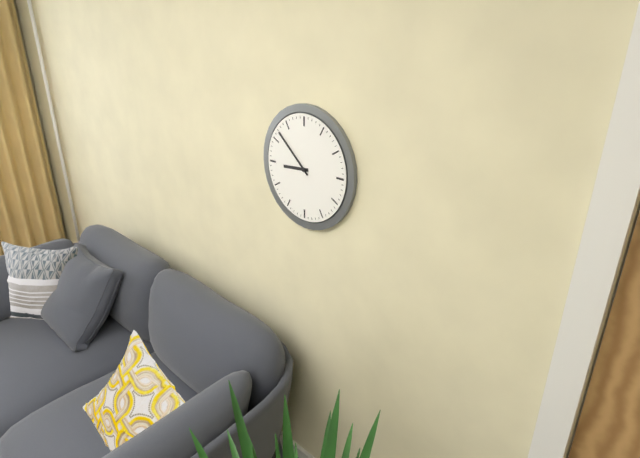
8,52
